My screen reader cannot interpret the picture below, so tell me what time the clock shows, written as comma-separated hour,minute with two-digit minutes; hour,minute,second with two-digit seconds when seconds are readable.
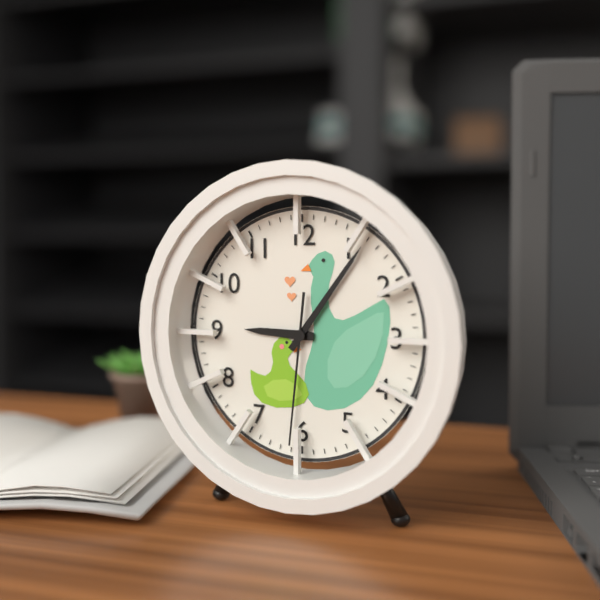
9,06,31
